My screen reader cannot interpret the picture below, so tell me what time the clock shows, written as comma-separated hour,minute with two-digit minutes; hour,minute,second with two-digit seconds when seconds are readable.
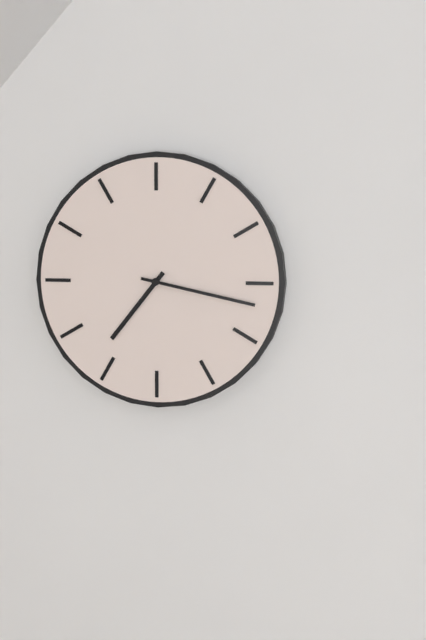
7,17
